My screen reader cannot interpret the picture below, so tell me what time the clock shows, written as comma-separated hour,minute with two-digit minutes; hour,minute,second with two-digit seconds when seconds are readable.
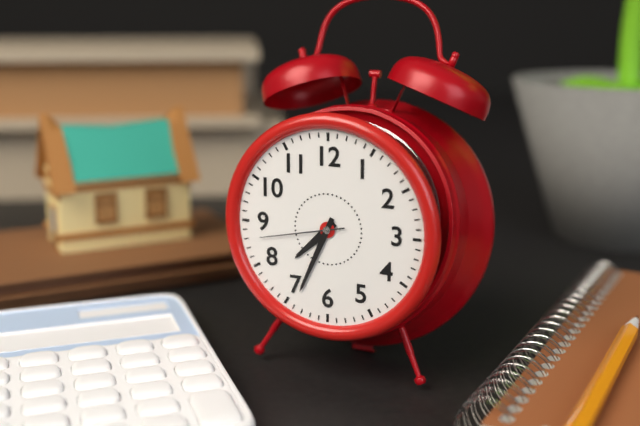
7,34,43
